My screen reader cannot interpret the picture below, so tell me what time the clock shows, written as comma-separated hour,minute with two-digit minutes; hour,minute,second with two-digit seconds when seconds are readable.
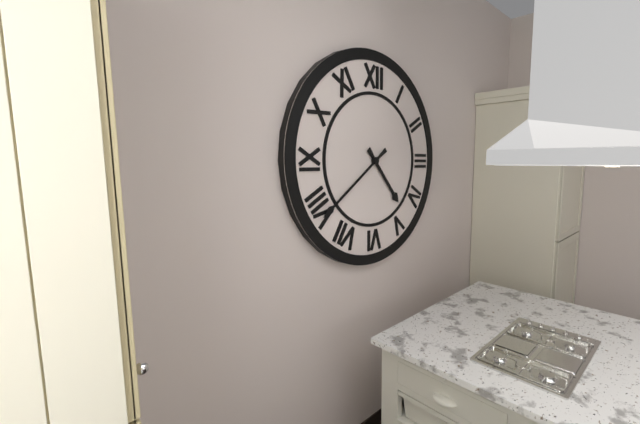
4,39
